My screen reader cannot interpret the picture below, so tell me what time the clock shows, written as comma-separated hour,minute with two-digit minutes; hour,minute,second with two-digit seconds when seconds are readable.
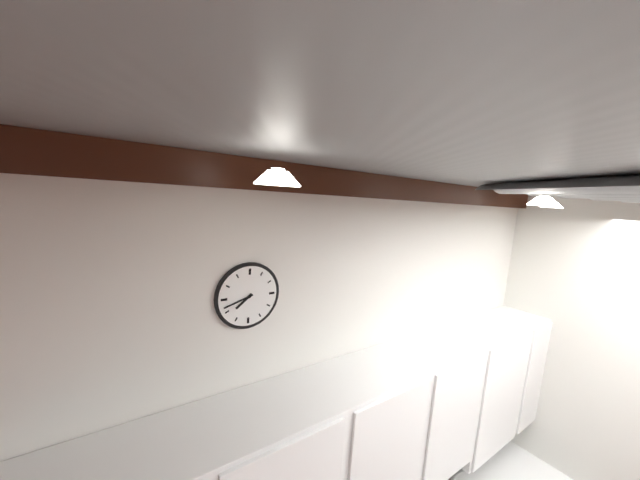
7,42
